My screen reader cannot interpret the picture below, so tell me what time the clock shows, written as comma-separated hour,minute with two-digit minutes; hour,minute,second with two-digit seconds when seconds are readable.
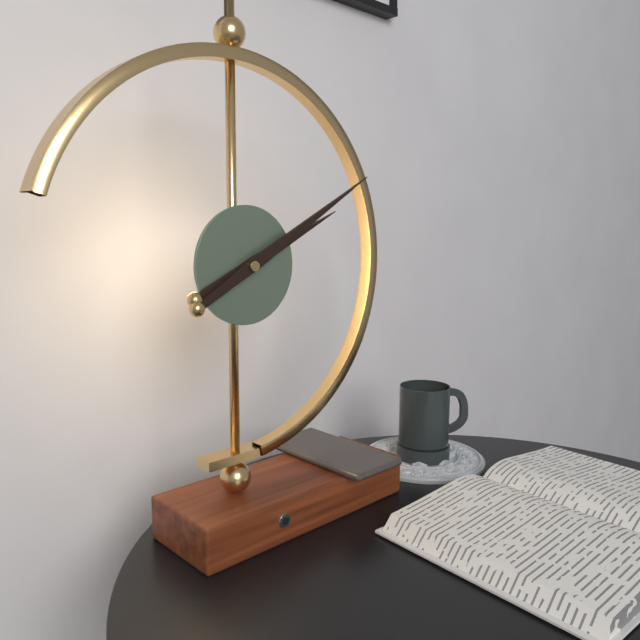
2,10
